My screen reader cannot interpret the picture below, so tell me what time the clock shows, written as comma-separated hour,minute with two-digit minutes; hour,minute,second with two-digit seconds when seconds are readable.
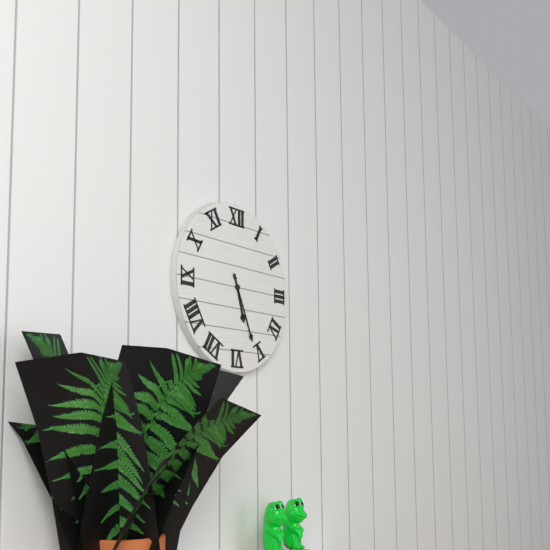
5,26
